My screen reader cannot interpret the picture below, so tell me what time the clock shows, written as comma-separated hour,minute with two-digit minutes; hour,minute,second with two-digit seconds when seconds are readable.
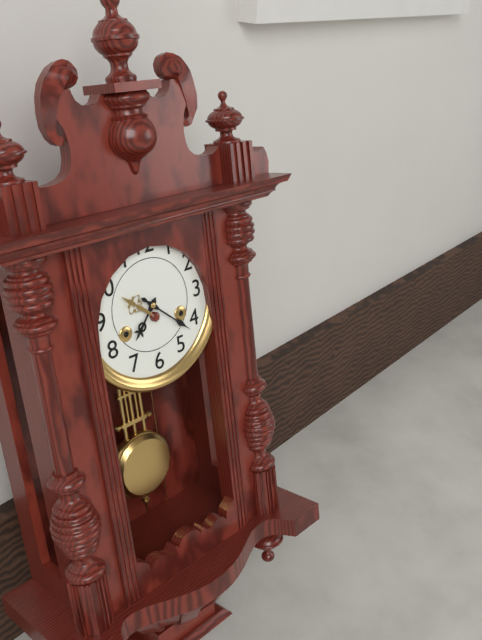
7,22
